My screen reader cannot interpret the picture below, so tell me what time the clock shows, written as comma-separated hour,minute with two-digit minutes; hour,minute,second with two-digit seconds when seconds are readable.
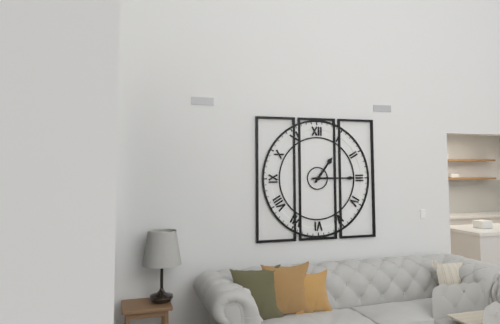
1,15
